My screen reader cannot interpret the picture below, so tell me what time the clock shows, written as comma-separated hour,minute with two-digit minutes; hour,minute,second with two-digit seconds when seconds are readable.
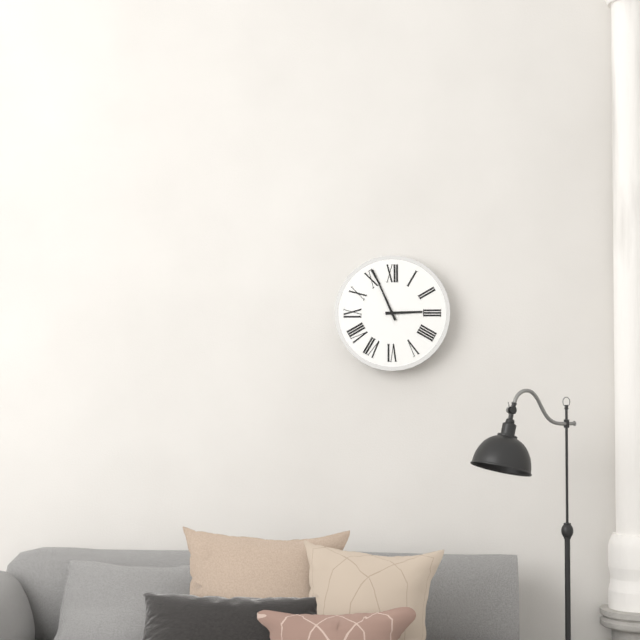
2,56
